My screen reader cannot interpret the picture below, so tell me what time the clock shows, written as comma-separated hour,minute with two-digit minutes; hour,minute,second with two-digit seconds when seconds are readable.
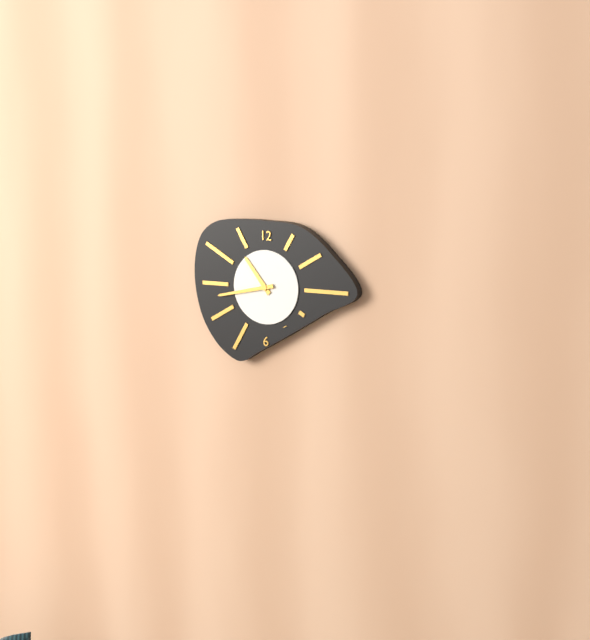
10,43
